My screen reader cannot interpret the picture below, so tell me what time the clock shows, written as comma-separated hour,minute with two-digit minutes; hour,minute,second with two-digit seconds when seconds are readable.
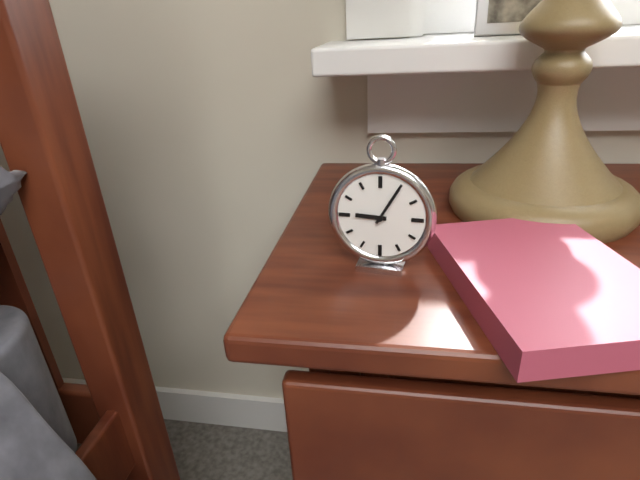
9,05
